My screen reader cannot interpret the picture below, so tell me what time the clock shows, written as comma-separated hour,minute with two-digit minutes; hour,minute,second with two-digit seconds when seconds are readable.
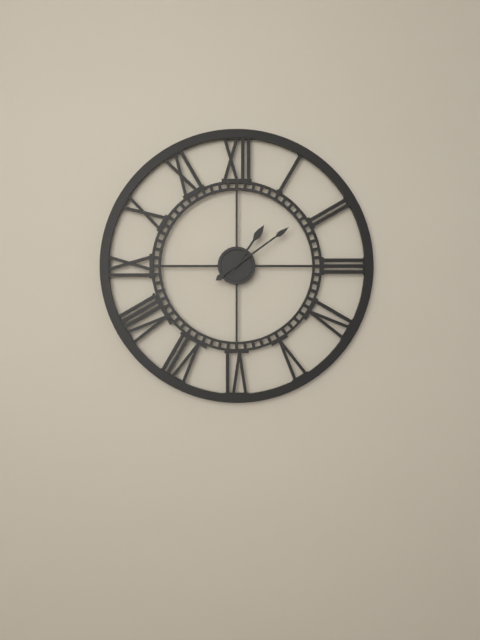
1,09
